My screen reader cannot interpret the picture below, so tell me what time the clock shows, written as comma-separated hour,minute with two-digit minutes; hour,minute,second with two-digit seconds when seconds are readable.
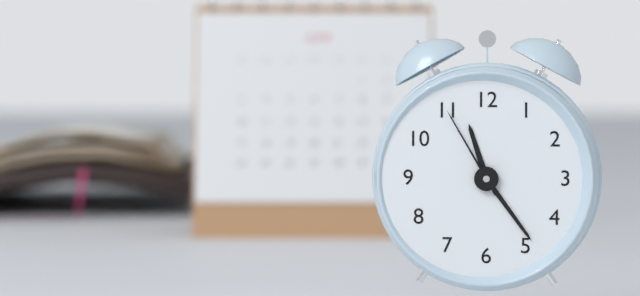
11,24,55
